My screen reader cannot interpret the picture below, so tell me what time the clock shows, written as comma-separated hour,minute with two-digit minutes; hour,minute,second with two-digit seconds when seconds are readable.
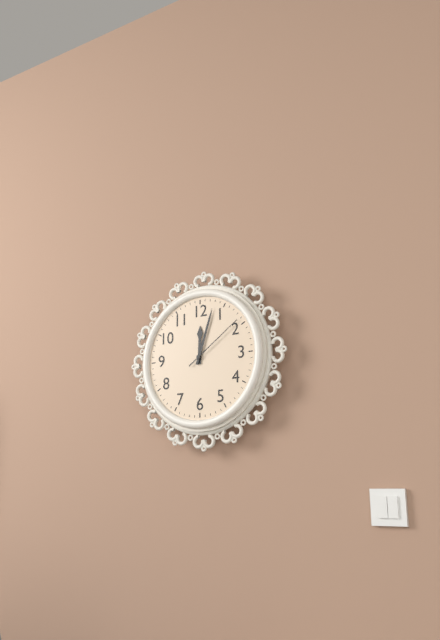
12,03,09
